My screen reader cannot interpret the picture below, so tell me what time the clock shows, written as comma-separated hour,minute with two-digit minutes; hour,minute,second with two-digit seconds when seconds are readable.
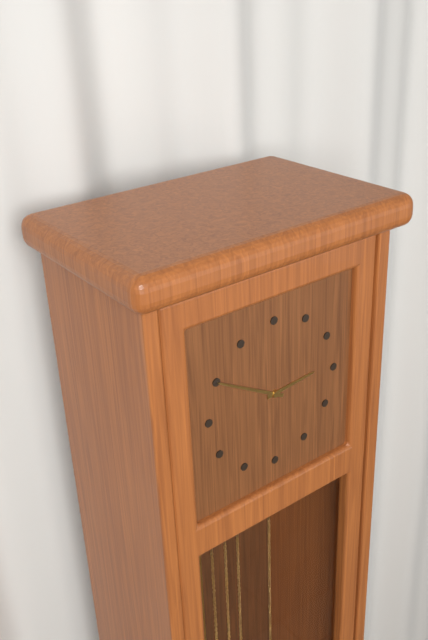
2,50
